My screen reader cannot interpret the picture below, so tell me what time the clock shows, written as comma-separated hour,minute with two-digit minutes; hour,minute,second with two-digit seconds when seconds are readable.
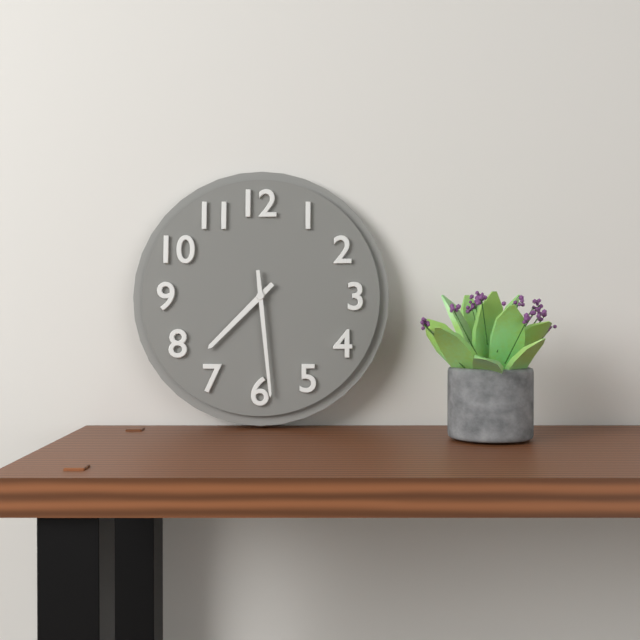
7,29
